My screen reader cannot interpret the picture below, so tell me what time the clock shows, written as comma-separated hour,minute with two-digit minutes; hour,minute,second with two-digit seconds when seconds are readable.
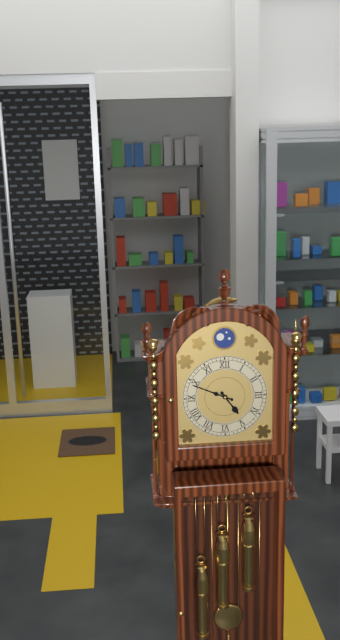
4,49
